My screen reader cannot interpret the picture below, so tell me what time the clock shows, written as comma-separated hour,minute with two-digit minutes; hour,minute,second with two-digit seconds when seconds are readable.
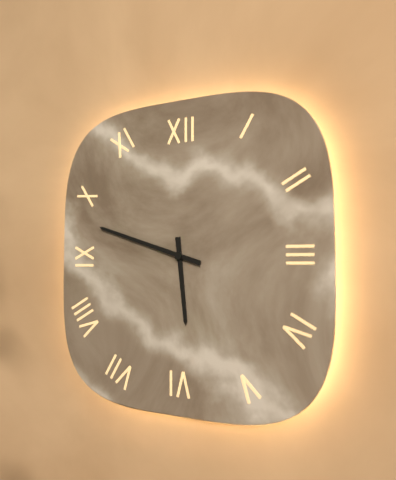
5,48
